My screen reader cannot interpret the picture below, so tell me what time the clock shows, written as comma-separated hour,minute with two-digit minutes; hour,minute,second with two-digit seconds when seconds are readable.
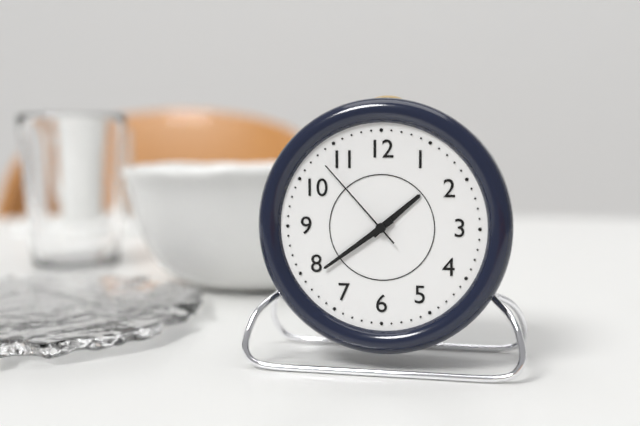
1,39,53
